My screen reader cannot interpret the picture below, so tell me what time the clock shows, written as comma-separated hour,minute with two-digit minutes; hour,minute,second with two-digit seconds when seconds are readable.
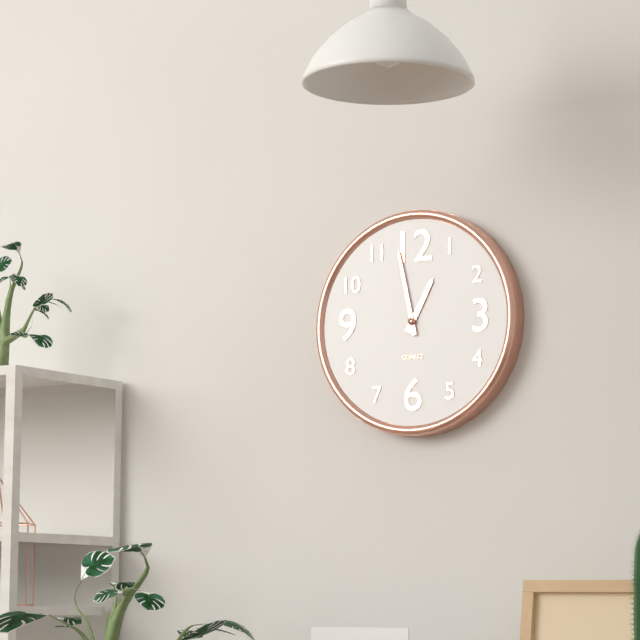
12,58
